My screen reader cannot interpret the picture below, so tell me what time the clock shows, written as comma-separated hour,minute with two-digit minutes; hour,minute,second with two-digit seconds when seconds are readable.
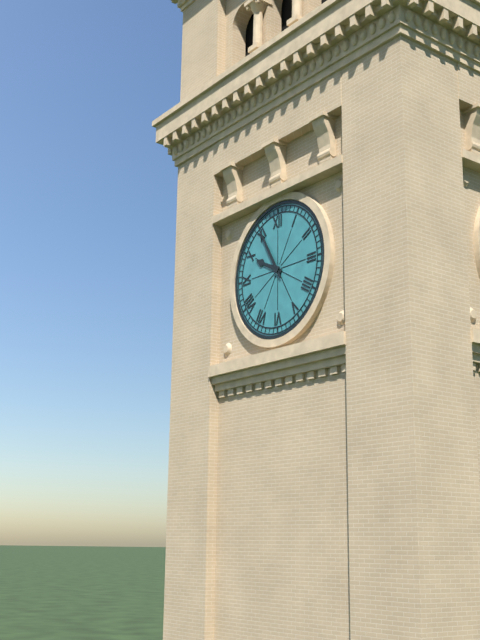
9,55
